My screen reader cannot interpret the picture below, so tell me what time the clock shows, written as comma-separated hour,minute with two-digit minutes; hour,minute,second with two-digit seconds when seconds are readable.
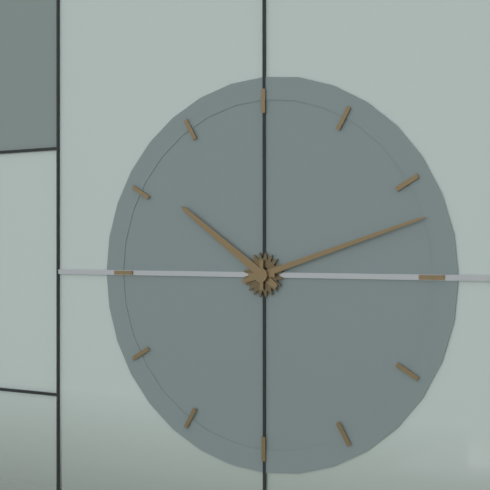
10,12
